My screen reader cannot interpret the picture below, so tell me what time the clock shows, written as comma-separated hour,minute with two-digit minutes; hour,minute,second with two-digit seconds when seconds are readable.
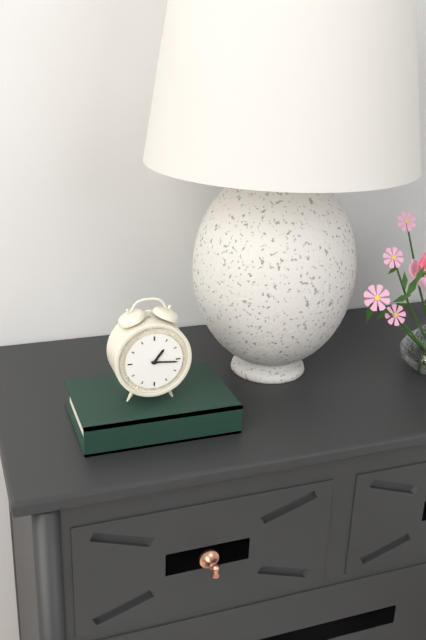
1,16
